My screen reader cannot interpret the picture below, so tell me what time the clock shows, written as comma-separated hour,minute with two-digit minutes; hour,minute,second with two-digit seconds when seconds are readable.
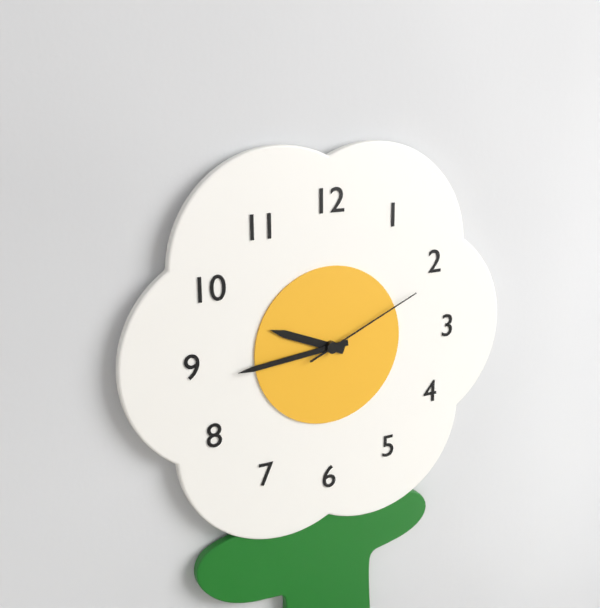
9,44,11
